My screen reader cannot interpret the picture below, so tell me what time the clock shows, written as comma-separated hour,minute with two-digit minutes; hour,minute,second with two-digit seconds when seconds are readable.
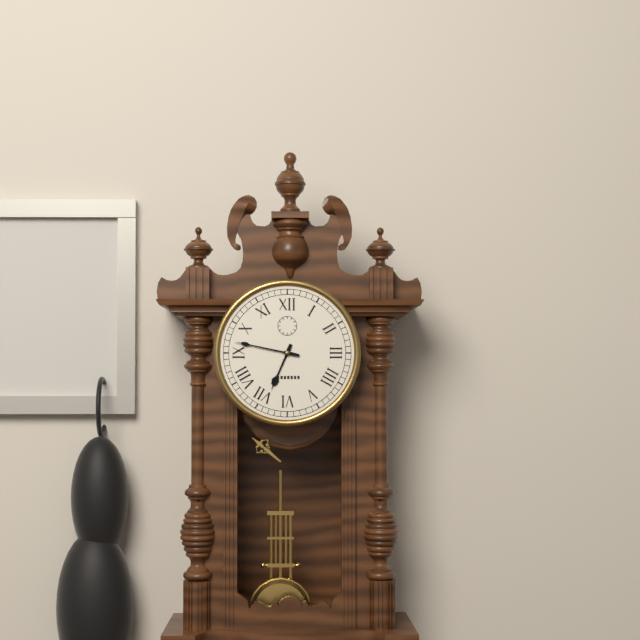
6,47
